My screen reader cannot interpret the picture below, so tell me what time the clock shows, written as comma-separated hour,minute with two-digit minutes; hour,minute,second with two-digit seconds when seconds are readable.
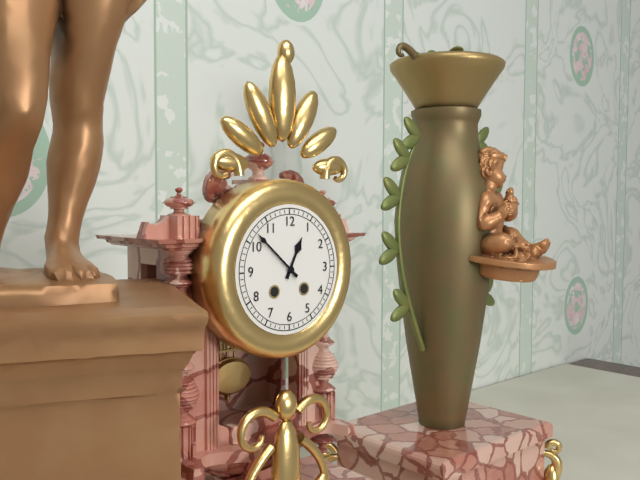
12,52
